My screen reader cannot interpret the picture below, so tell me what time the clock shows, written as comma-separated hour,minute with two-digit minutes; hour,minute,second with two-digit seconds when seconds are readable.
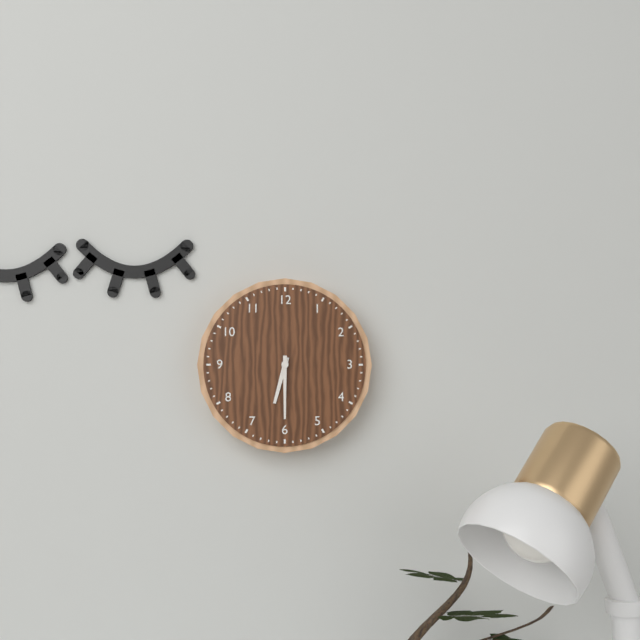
6,30
